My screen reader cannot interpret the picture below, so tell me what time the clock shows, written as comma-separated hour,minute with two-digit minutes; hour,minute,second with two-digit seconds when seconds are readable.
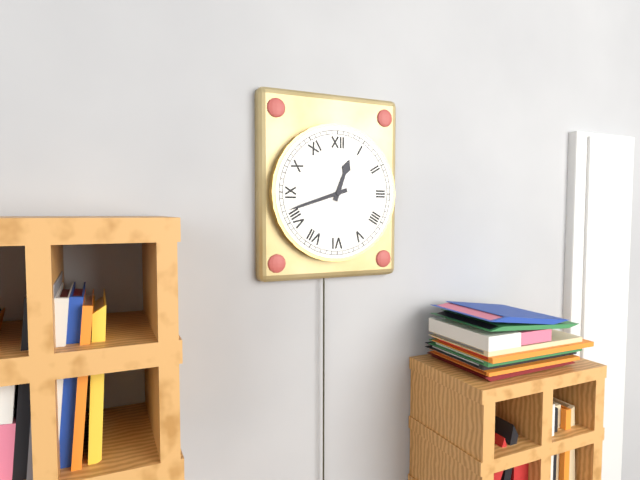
12,42
